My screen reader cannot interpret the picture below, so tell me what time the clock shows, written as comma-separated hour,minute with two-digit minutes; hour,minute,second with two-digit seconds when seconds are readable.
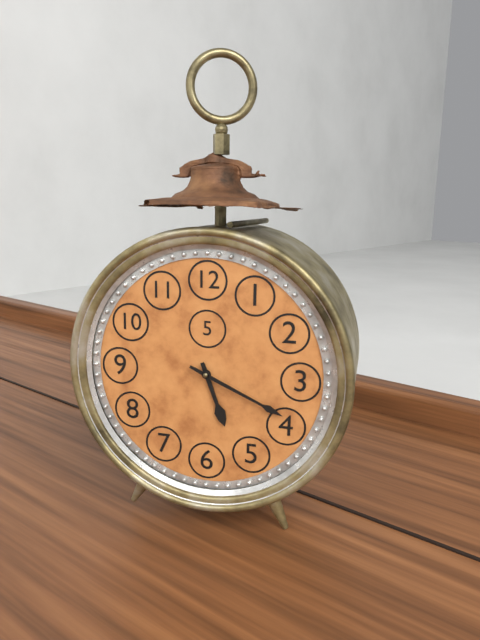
5,19
